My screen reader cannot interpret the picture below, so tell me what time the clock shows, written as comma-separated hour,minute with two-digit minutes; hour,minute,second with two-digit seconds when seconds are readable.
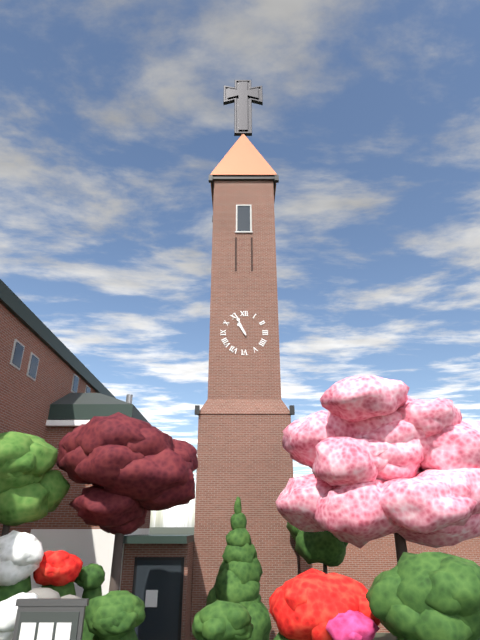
10,56
